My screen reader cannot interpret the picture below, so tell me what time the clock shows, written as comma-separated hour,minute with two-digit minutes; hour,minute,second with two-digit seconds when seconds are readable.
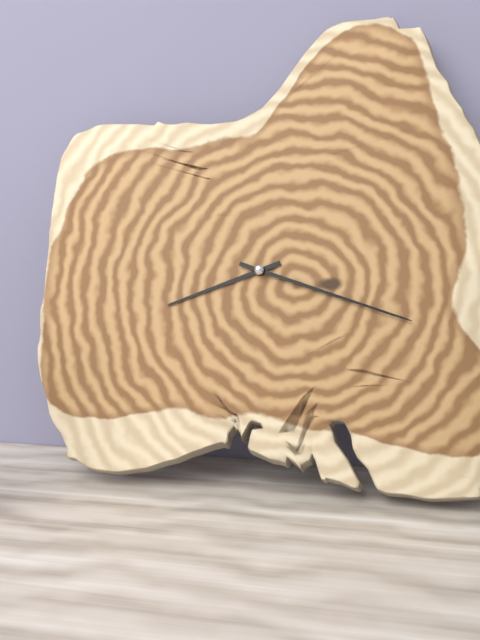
8,18
